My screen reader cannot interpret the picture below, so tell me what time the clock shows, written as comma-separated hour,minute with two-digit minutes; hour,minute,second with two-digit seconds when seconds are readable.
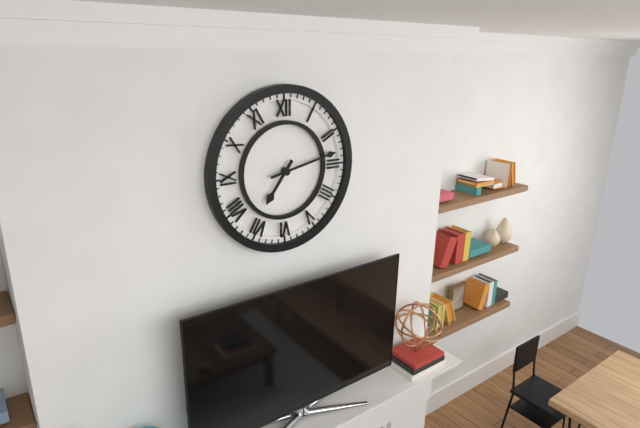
7,13
